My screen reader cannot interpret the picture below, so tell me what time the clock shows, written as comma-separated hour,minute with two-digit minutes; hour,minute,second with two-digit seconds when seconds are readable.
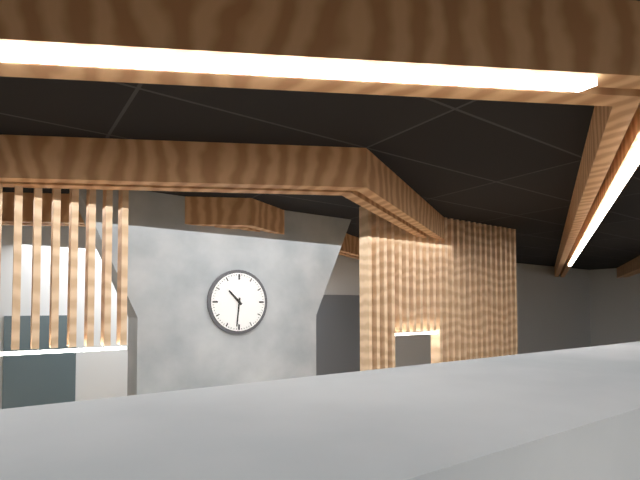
10,31
